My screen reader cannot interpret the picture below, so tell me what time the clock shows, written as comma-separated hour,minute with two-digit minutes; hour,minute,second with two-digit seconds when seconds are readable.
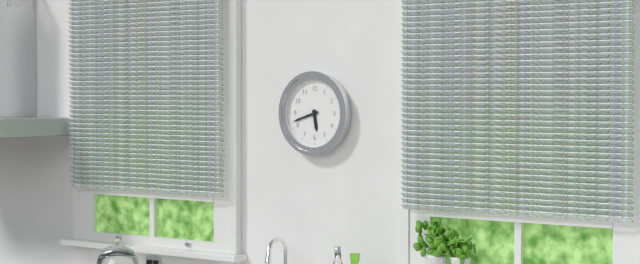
5,42
